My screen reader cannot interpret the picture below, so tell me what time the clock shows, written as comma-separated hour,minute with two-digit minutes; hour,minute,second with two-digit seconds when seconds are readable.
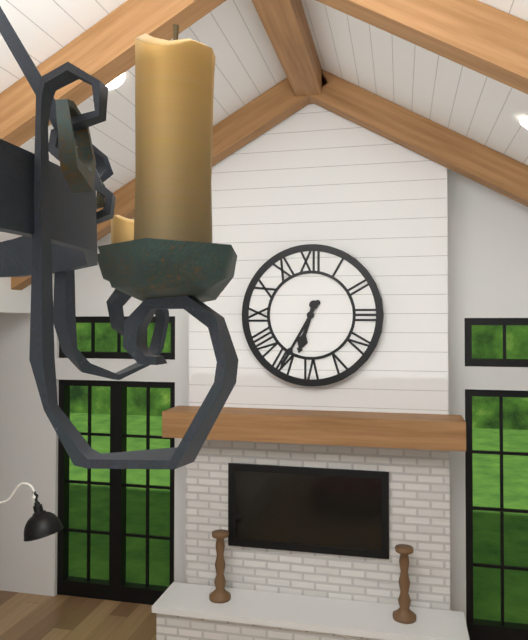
6,35
